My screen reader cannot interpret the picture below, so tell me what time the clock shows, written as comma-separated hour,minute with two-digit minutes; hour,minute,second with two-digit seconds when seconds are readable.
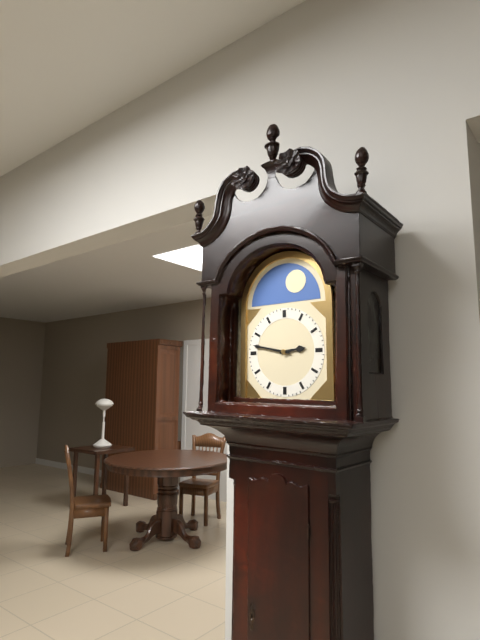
2,47
